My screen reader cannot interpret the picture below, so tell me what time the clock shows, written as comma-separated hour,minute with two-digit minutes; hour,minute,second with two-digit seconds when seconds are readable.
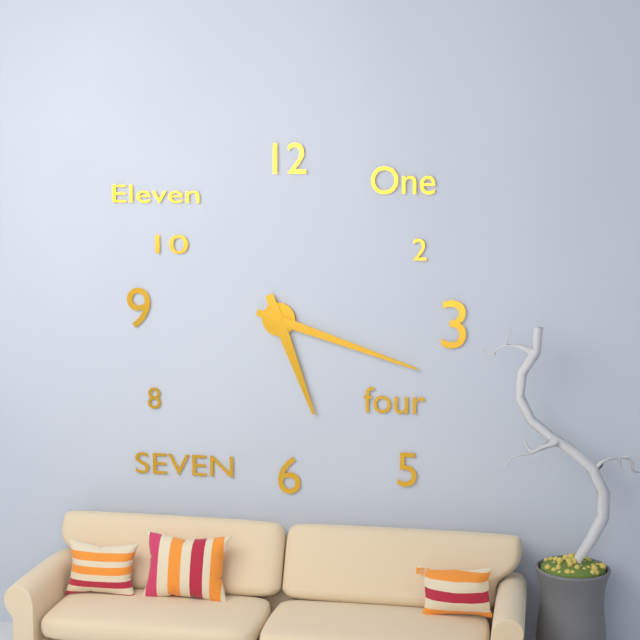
5,18
